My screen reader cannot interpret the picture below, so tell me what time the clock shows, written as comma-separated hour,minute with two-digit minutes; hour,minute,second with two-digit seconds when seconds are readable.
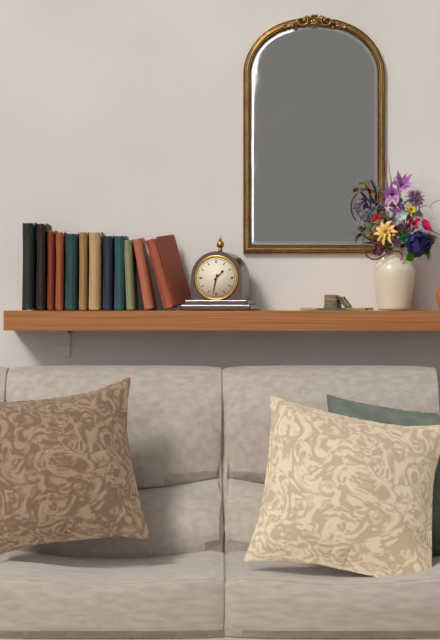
1,32
